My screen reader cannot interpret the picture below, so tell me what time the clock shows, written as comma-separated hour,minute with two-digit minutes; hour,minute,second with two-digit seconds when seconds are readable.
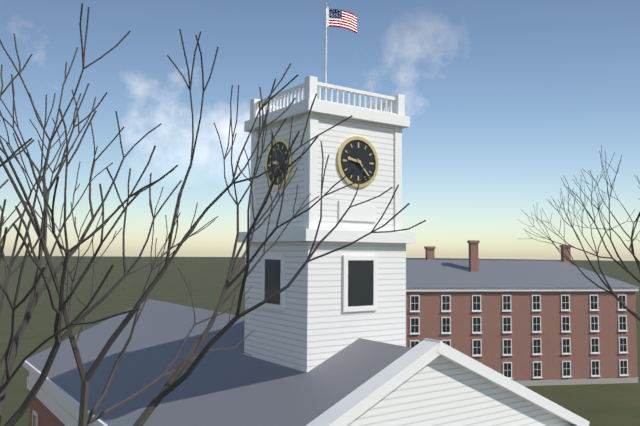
9,23
